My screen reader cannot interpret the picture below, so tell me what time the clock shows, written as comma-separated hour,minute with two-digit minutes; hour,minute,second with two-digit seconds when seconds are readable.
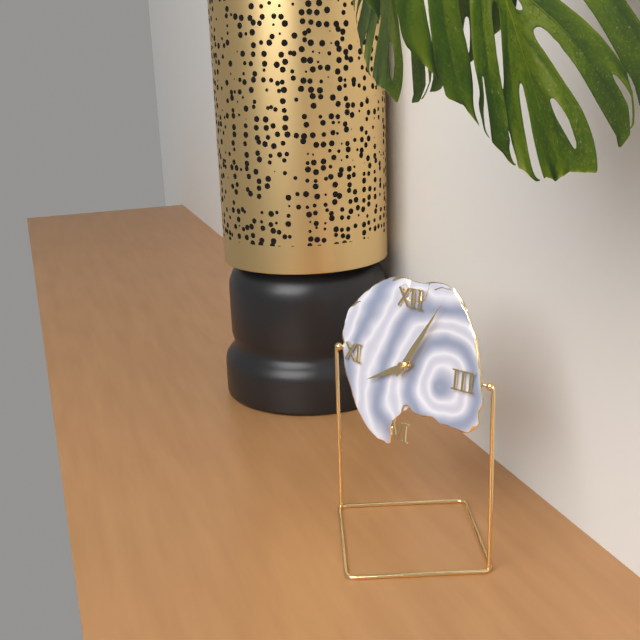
8,05
